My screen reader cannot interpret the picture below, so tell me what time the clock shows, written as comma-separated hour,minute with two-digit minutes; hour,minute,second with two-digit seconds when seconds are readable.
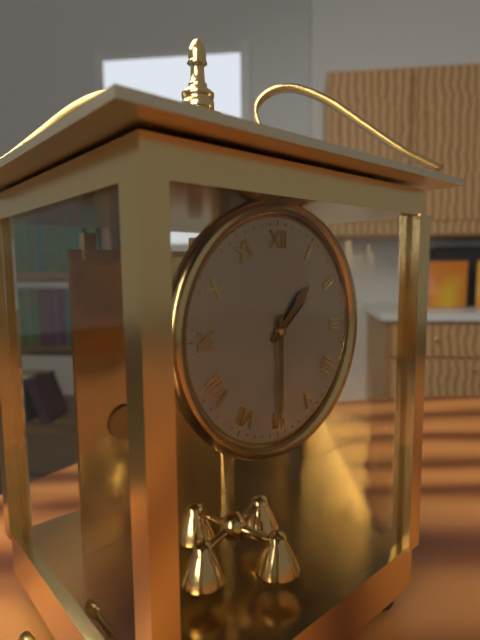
1,30
